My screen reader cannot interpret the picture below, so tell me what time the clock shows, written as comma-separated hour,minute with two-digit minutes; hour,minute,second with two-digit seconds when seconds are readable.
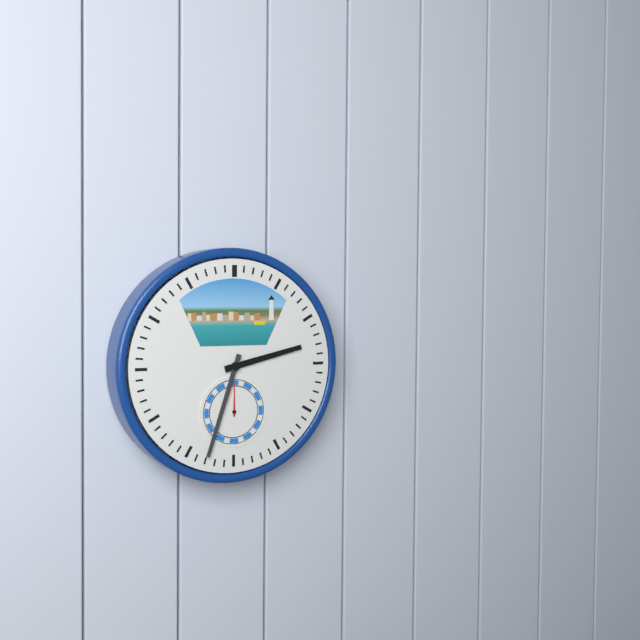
2,33
